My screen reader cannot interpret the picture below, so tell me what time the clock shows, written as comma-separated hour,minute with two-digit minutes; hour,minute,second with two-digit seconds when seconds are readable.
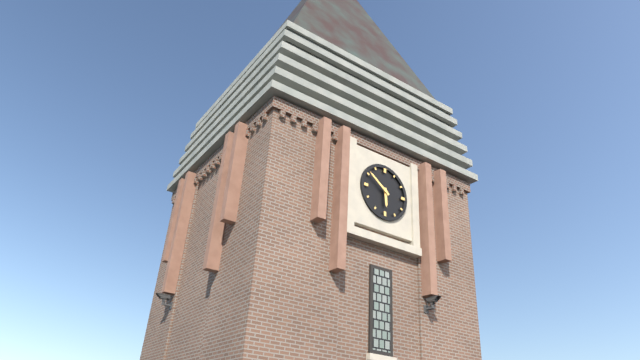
5,51
